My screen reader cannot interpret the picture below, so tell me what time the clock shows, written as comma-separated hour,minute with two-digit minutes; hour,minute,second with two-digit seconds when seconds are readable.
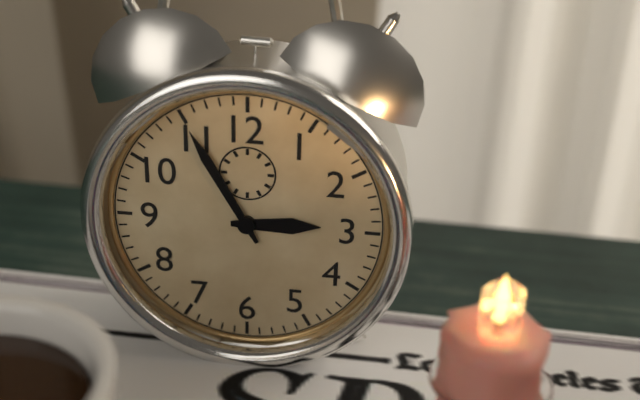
2,55
